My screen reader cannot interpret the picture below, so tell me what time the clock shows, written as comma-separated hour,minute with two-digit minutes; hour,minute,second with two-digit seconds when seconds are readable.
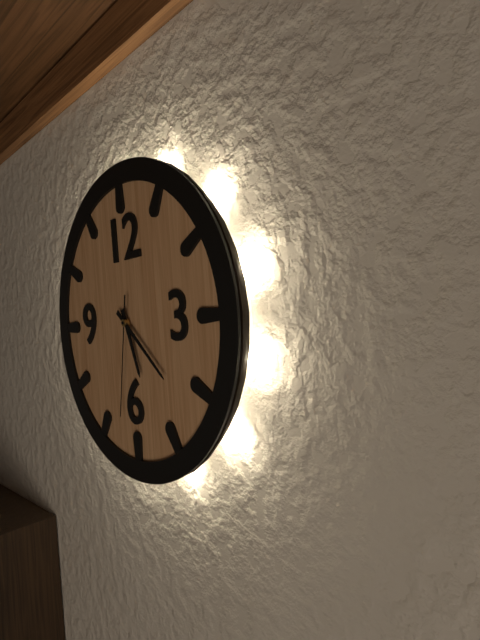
5,22,32
